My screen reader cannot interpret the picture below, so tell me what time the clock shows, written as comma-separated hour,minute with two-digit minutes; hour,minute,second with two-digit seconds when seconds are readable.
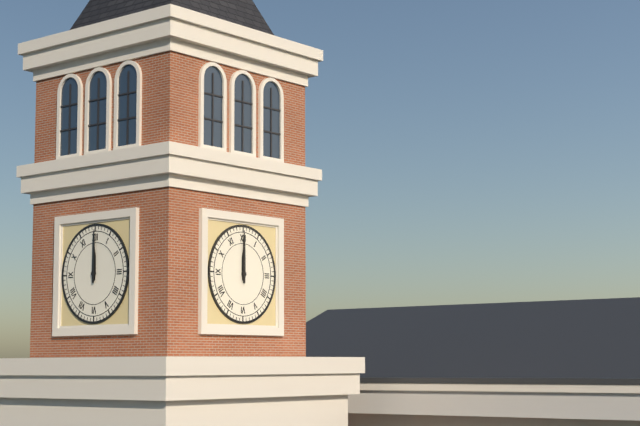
12,00
